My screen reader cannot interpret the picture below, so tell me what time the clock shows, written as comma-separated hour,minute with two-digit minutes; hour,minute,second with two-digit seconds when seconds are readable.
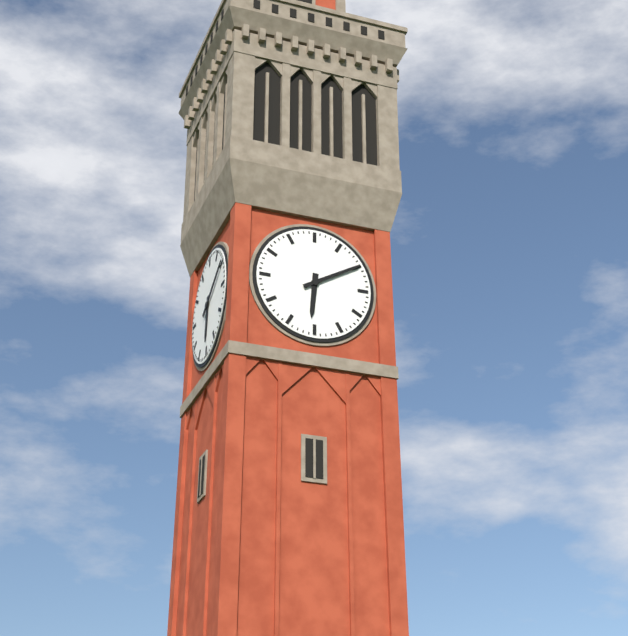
6,10
